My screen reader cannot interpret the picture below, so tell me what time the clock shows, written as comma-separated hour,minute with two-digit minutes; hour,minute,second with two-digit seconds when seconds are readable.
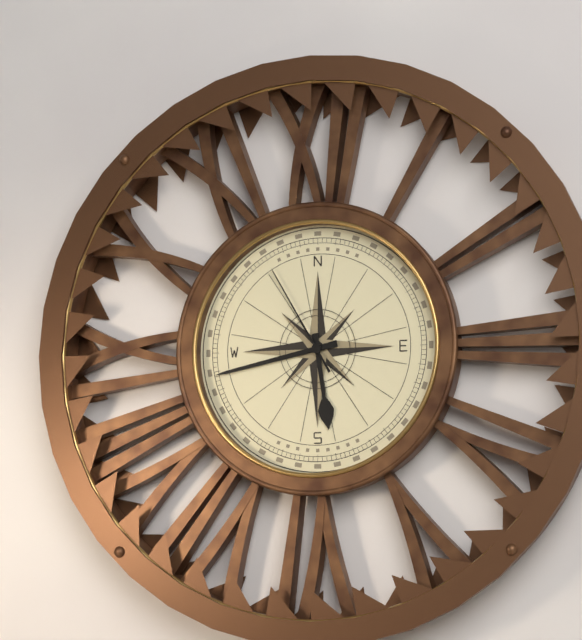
5,43,55
